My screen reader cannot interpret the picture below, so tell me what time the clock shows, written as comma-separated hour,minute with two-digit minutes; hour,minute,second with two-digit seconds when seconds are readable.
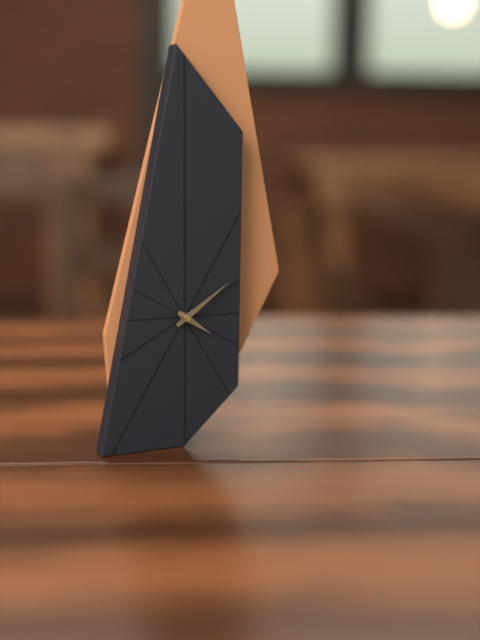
4,09
